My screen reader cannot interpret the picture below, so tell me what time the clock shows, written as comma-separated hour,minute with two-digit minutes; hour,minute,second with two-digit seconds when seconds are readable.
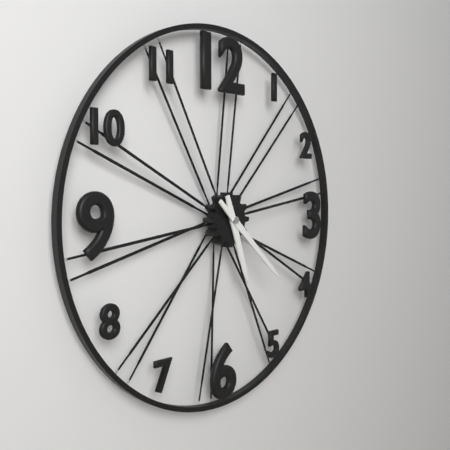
5,22
